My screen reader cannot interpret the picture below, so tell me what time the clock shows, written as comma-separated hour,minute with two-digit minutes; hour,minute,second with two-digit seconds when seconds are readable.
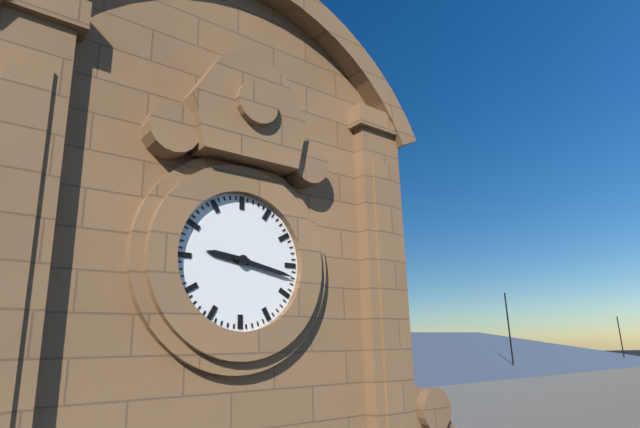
9,17
